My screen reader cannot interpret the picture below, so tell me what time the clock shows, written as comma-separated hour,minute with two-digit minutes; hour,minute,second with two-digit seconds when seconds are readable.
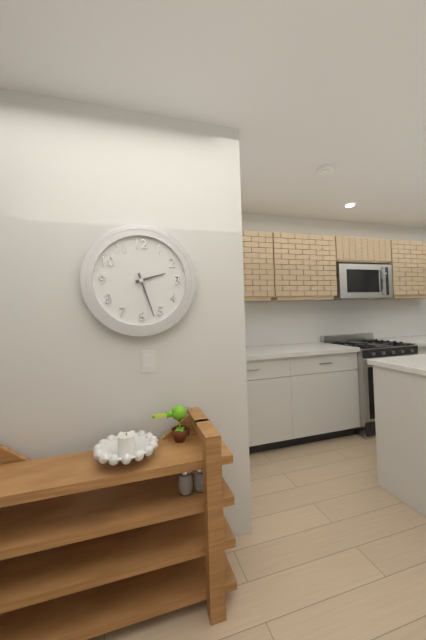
2,27
